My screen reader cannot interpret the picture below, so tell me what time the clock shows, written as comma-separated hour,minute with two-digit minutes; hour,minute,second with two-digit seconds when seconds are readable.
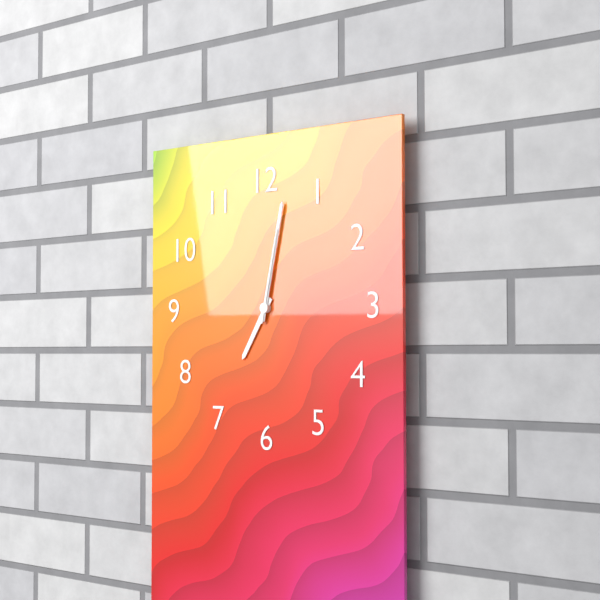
7,02,02
